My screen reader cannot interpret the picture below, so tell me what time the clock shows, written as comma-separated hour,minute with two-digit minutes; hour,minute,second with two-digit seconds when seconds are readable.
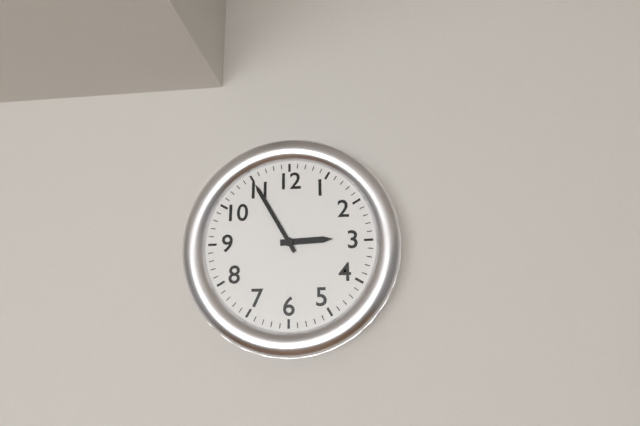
2,55
